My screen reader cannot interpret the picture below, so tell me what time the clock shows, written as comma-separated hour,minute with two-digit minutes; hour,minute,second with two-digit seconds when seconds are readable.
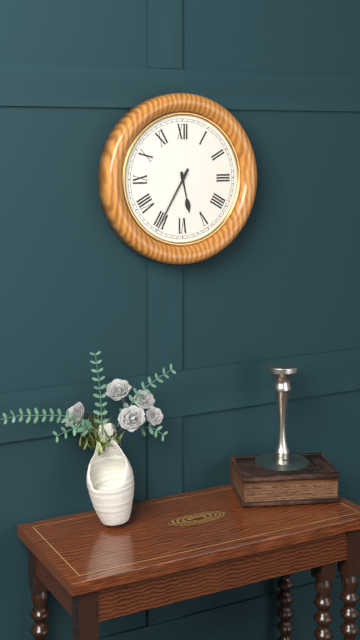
5,35
